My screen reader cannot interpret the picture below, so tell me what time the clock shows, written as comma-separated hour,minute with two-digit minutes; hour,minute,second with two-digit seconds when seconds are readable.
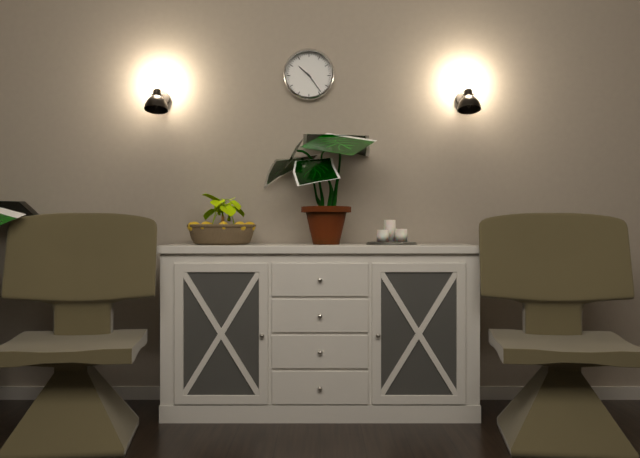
10,24
